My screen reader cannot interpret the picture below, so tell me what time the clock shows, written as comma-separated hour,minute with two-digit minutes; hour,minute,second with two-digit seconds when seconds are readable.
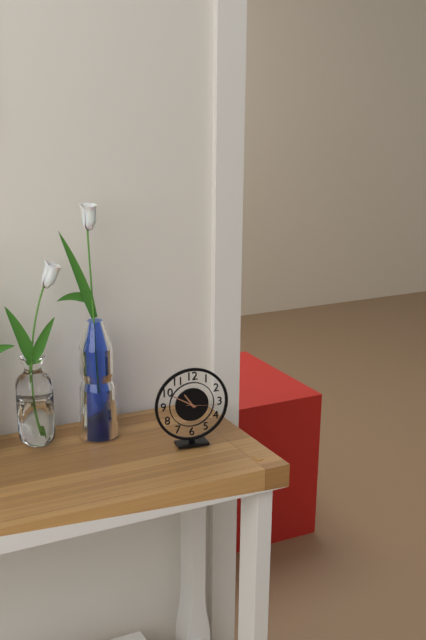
10,50
